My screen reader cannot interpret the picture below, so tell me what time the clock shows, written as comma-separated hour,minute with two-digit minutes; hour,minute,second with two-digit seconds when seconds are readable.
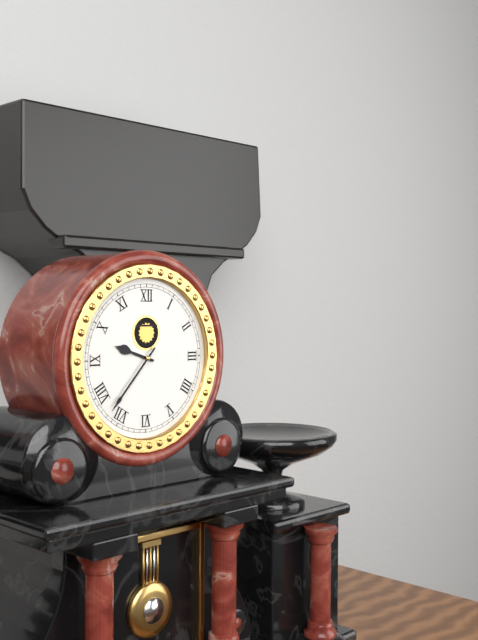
9,37
